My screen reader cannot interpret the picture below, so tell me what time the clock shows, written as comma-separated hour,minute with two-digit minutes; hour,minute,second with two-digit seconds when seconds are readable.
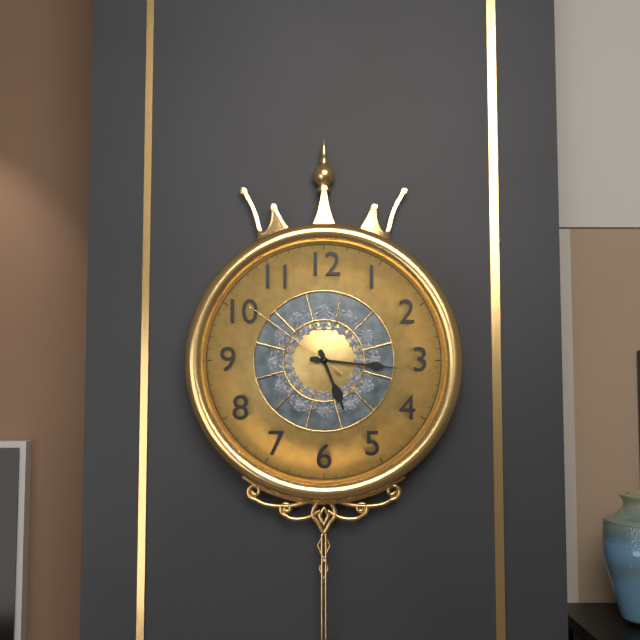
5,16,51
